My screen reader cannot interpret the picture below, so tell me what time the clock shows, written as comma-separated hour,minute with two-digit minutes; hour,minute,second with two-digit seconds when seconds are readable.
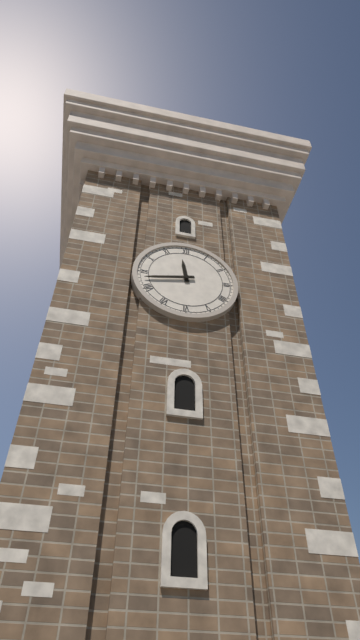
11,43
